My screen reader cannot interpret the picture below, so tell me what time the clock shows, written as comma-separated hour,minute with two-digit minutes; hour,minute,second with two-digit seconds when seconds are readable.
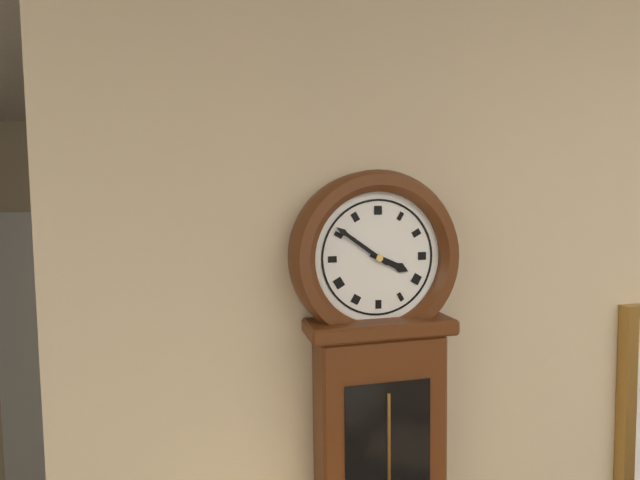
3,51
